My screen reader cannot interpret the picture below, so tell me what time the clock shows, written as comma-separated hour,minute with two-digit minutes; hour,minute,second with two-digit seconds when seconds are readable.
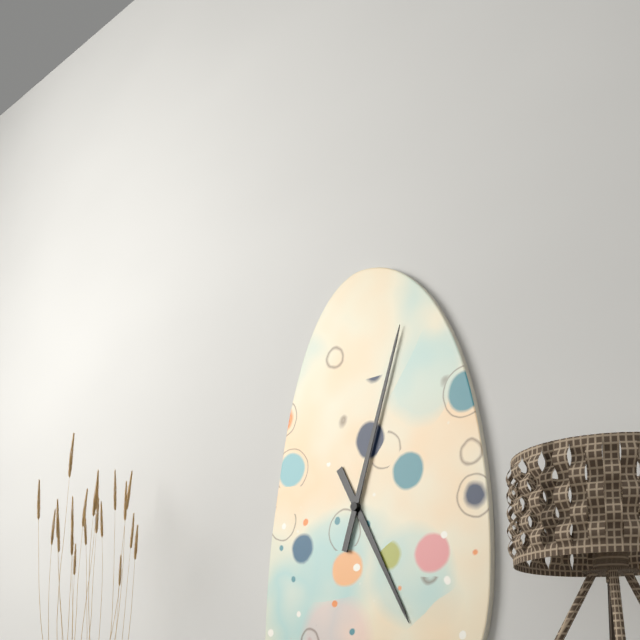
5,03
